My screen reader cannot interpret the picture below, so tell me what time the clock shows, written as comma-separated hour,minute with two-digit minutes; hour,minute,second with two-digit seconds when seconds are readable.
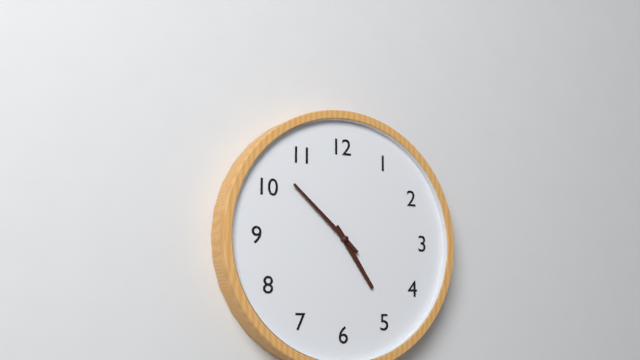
4,52
